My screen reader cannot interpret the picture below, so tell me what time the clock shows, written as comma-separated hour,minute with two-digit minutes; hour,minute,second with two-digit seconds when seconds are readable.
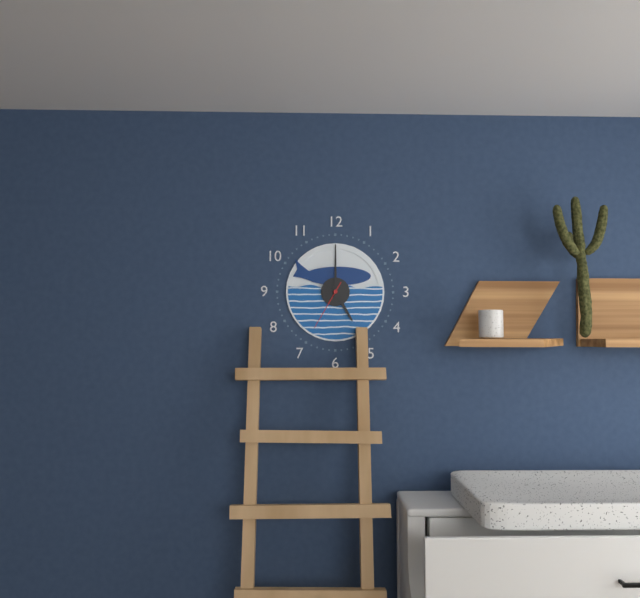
5,00,35
